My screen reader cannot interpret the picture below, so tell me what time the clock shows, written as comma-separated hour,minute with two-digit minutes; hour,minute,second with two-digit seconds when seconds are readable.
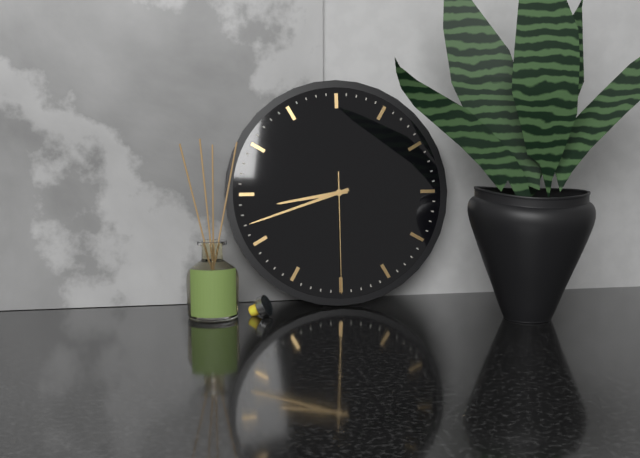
8,42,30
